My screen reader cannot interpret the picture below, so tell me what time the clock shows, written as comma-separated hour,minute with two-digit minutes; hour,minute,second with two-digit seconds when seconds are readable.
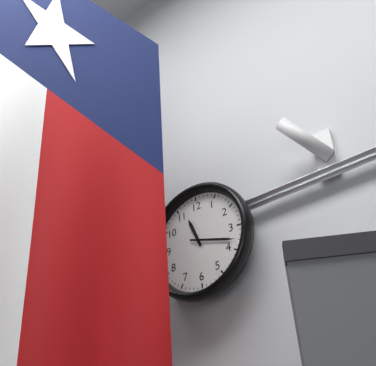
11,18
